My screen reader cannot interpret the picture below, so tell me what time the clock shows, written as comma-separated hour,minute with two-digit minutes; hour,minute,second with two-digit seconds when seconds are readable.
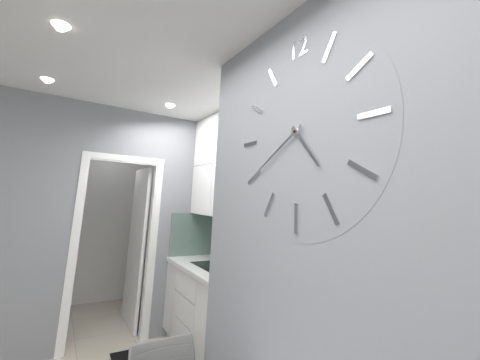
4,40
